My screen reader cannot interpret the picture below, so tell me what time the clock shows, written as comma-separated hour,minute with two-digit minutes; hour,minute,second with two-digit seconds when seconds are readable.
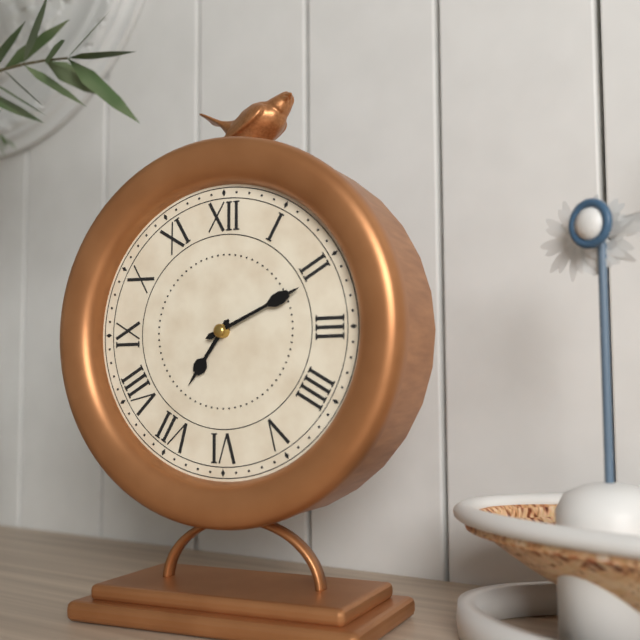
7,11
